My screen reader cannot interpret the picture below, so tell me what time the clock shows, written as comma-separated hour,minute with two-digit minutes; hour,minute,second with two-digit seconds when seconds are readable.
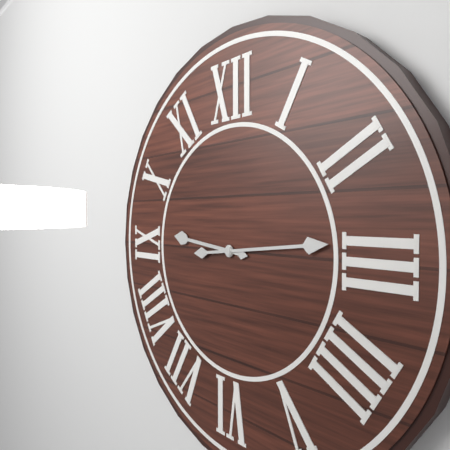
9,14
